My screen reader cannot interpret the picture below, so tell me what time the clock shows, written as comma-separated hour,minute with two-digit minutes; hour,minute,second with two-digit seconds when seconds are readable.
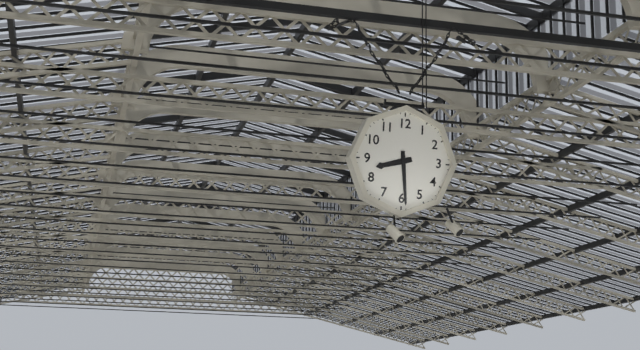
8,29
